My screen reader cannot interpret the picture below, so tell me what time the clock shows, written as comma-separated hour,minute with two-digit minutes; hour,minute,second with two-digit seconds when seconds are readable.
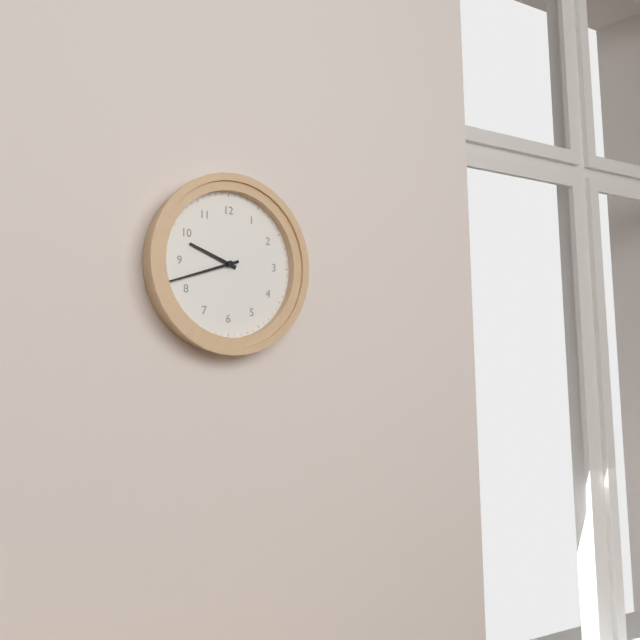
9,42
